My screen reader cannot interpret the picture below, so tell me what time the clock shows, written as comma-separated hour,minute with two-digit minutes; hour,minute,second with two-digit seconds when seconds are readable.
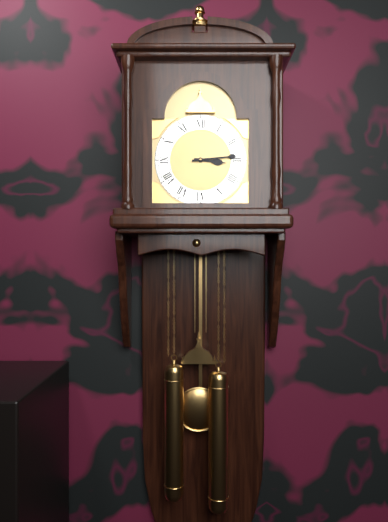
3,14
